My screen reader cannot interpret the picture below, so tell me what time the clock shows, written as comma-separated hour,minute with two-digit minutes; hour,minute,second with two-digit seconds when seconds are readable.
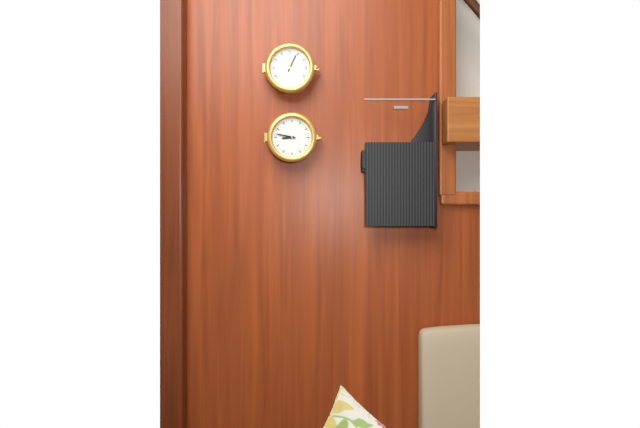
8,47
